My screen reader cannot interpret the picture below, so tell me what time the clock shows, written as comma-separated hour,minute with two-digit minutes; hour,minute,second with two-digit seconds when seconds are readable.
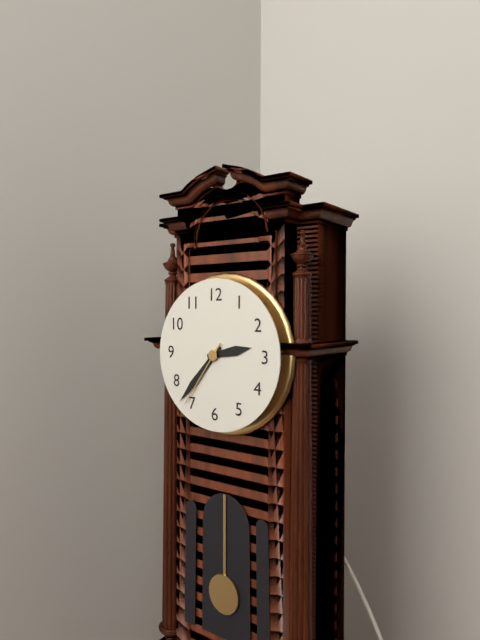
2,37,36
